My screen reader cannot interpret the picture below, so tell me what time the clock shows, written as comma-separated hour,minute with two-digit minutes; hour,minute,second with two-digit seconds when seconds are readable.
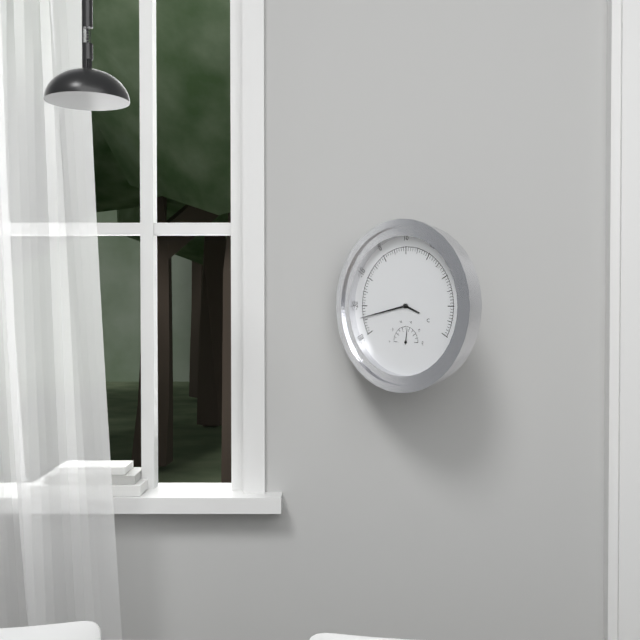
3,43
